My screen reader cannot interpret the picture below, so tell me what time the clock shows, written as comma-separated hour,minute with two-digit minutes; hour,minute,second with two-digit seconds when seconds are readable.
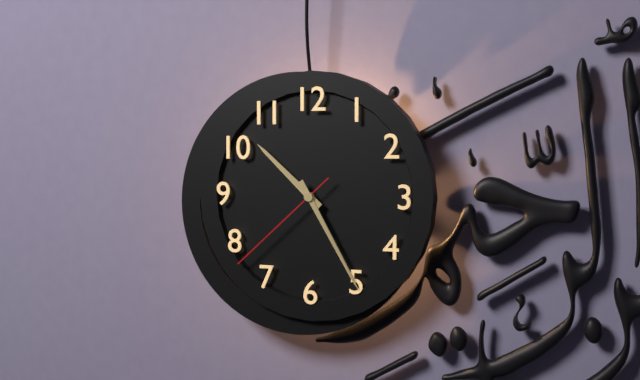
10,25,38
